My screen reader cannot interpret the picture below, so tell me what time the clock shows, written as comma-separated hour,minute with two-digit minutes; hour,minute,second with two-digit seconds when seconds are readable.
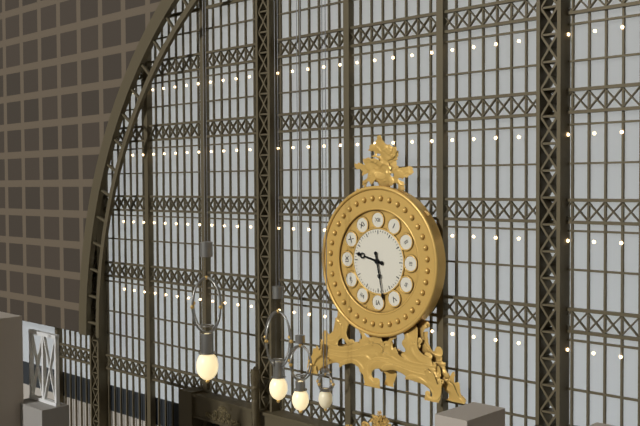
9,28
